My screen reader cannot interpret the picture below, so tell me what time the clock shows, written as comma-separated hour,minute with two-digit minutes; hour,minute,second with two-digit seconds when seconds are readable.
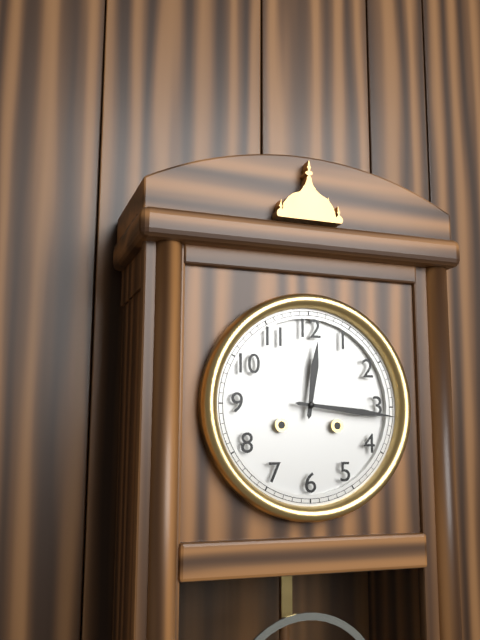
12,16
